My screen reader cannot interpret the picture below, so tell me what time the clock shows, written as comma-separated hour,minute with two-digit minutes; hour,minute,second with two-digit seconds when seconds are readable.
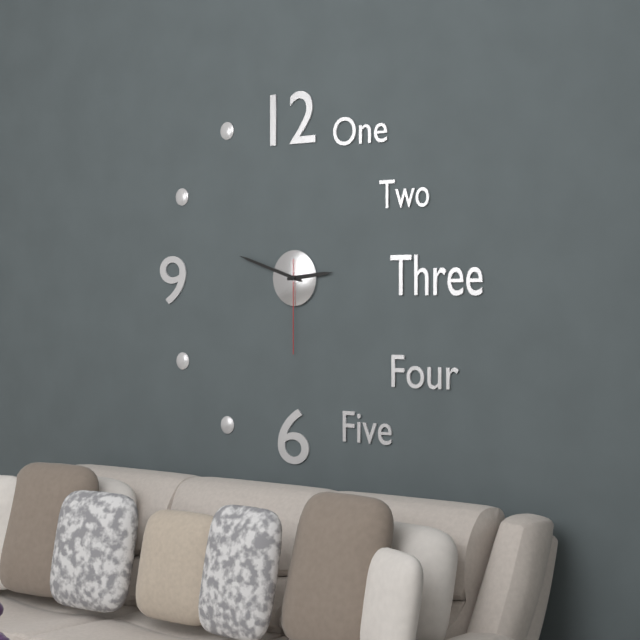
2,48,30
